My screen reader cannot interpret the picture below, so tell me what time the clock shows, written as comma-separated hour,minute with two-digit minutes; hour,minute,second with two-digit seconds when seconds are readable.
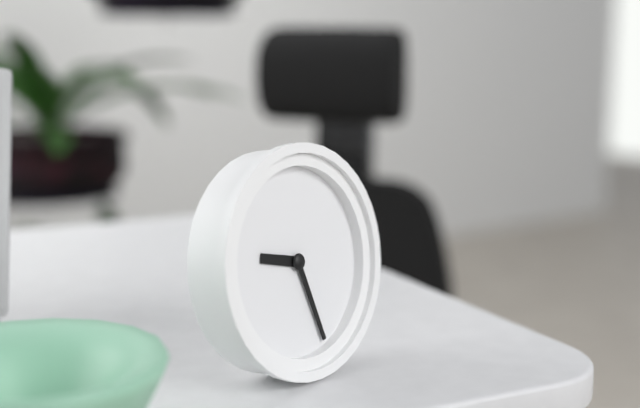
9,27
